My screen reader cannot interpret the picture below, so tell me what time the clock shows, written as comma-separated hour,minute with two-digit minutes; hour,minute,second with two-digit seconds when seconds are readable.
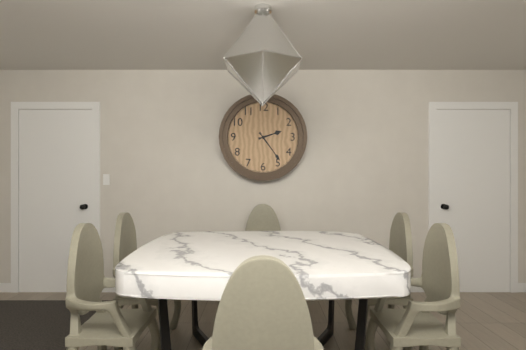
2,24
